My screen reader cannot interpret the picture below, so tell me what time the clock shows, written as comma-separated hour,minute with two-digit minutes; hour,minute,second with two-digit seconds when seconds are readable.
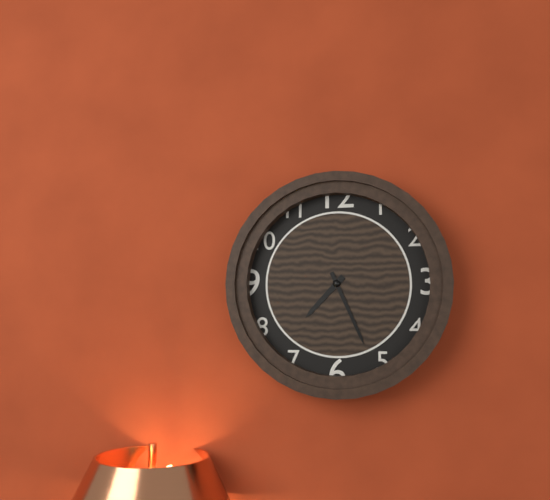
7,26
